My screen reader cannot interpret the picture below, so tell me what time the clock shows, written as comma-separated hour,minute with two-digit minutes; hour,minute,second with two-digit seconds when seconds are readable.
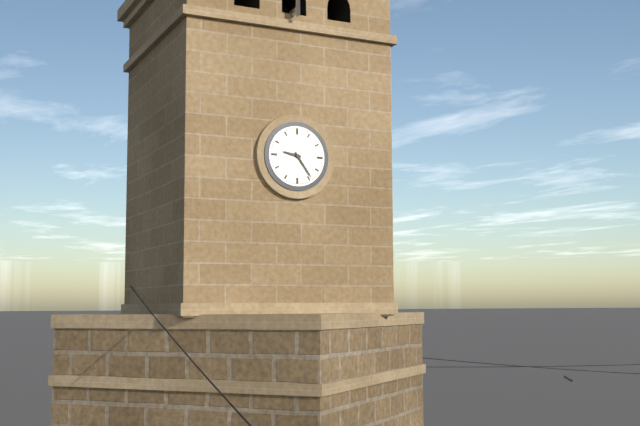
9,24
